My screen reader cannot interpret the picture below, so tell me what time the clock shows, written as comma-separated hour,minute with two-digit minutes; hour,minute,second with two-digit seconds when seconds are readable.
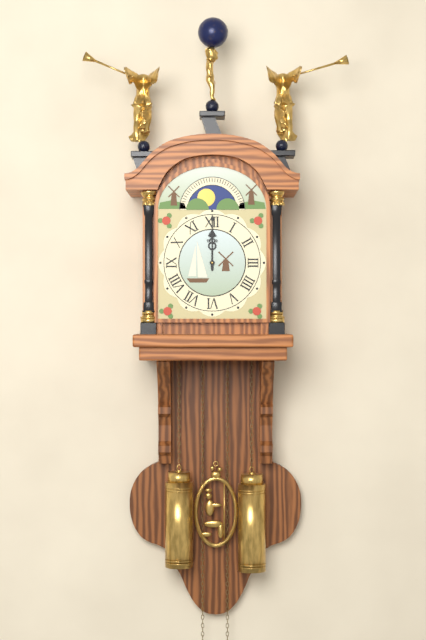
12,00
